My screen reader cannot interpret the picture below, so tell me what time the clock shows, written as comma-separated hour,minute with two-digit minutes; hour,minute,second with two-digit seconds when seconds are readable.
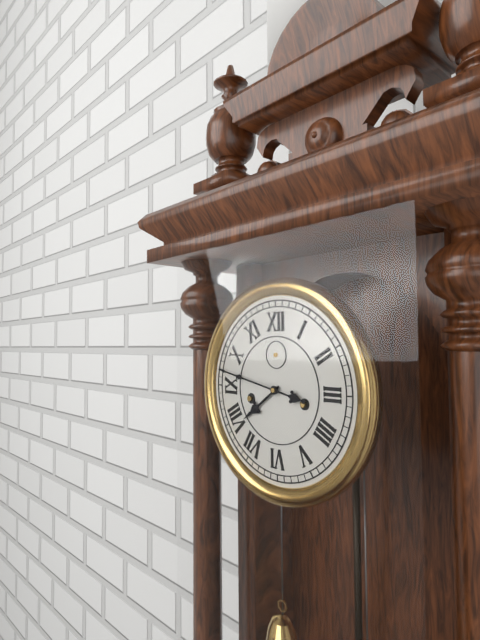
7,47
